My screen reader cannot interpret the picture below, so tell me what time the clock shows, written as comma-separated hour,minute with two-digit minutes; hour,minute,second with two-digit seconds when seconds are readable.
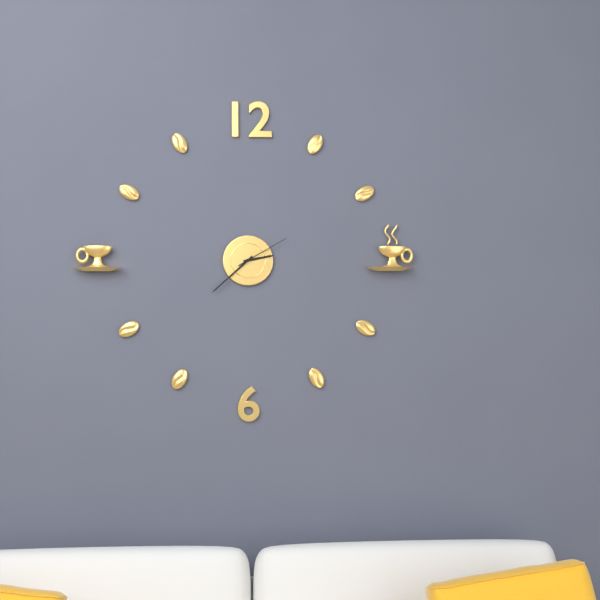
2,38,10
